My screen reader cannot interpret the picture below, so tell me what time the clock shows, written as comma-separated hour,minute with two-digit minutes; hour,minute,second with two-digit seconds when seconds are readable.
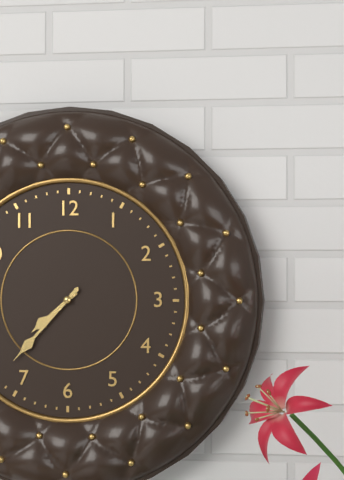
7,37
